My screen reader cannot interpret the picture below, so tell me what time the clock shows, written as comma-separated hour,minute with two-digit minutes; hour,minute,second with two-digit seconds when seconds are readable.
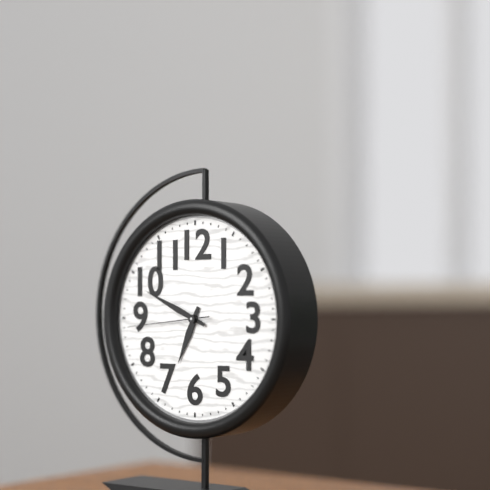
6,49,44
